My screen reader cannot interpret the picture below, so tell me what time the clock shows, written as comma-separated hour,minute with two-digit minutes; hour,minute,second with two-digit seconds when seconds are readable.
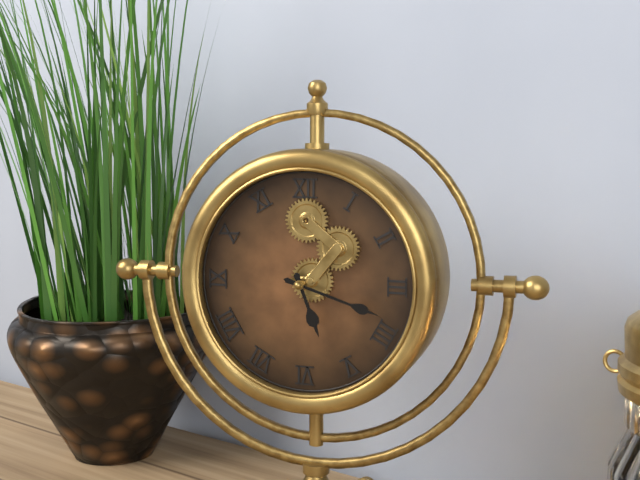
5,18
